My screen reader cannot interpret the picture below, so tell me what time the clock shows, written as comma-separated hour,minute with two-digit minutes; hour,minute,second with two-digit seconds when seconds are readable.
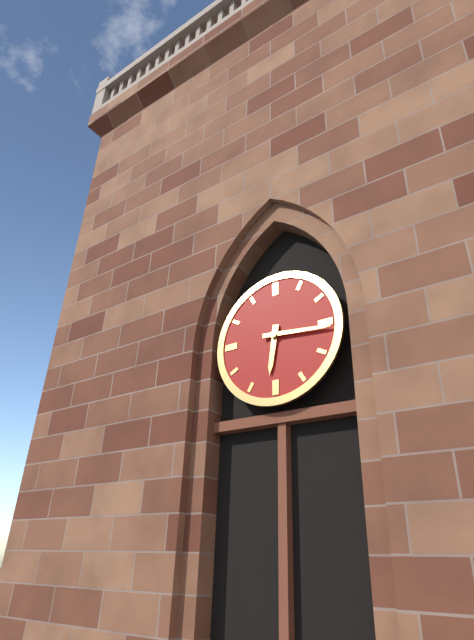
6,16
